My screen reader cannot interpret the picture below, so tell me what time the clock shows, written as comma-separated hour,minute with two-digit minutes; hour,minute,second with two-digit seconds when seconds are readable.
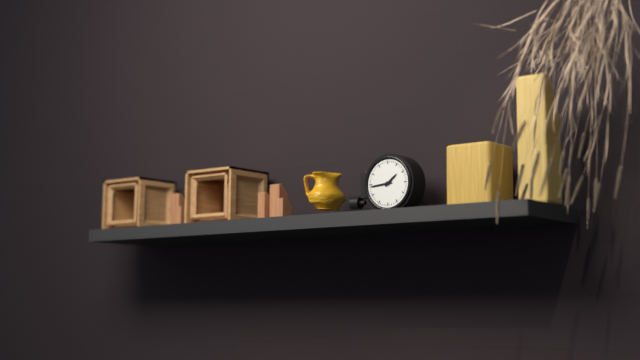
1,44
